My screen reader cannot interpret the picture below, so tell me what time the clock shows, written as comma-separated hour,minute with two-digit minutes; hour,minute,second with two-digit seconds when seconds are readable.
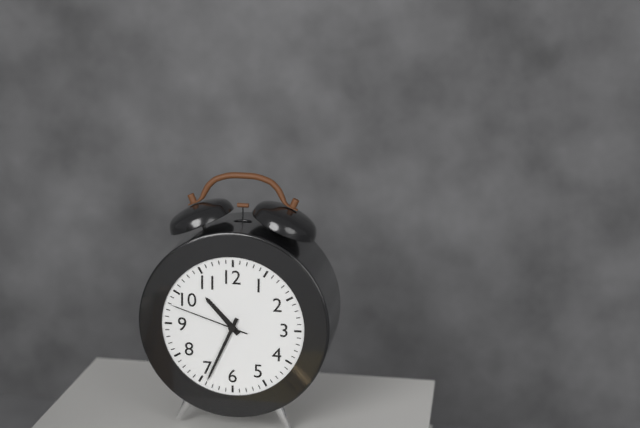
10,34,48
